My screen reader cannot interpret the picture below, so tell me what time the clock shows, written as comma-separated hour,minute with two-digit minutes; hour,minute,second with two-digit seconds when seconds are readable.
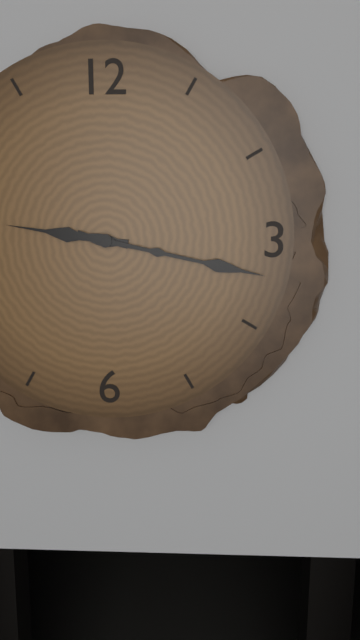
9,17
